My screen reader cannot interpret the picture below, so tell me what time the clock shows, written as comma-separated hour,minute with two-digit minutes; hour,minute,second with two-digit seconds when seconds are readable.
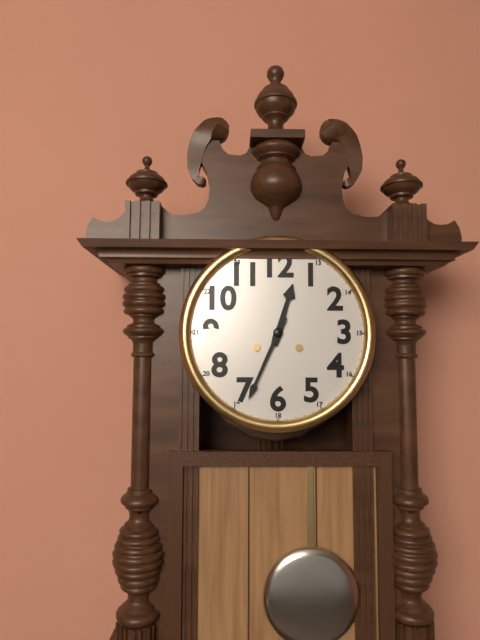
12,34
